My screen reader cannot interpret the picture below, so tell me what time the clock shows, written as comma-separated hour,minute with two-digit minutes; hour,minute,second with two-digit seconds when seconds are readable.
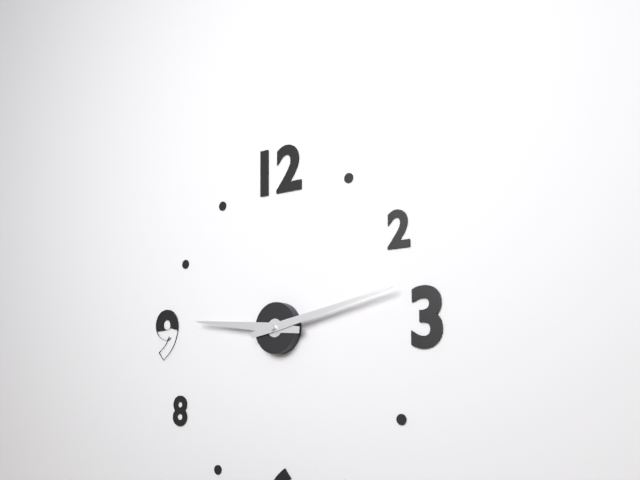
9,13
